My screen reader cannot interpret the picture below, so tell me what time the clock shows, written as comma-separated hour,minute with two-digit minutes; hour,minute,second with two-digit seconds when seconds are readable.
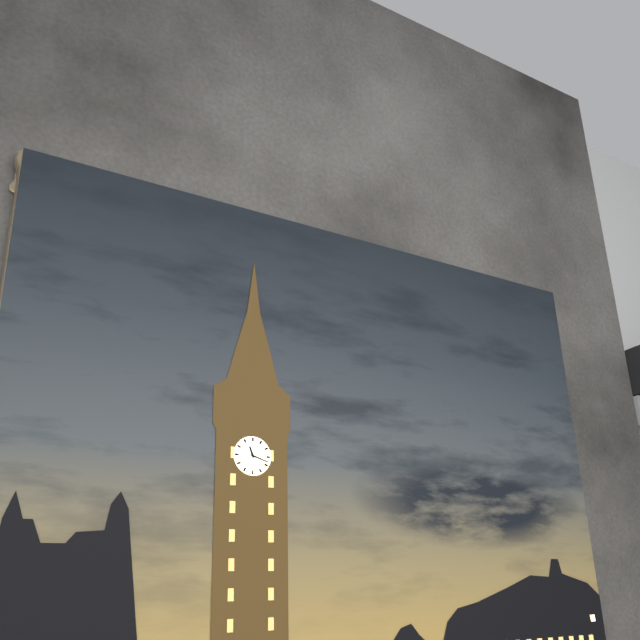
11,18
